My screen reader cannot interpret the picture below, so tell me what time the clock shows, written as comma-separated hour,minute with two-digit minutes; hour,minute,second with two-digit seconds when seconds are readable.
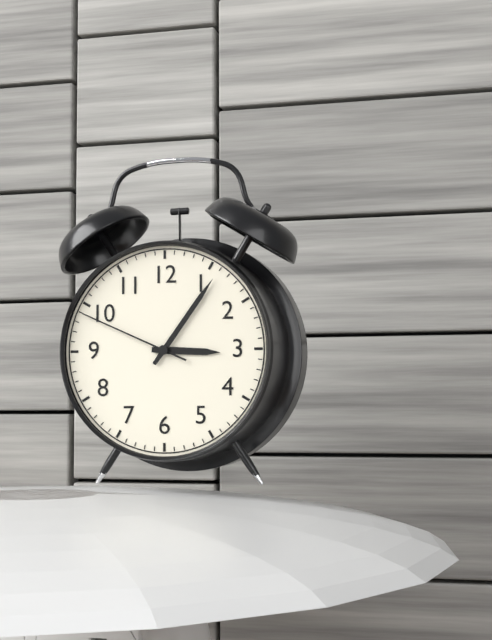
3,06,49
